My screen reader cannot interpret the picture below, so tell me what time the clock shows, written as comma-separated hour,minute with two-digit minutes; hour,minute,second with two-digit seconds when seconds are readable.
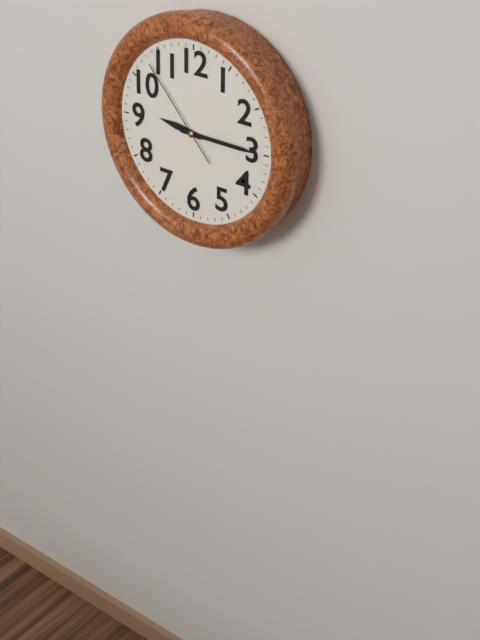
9,15,53
